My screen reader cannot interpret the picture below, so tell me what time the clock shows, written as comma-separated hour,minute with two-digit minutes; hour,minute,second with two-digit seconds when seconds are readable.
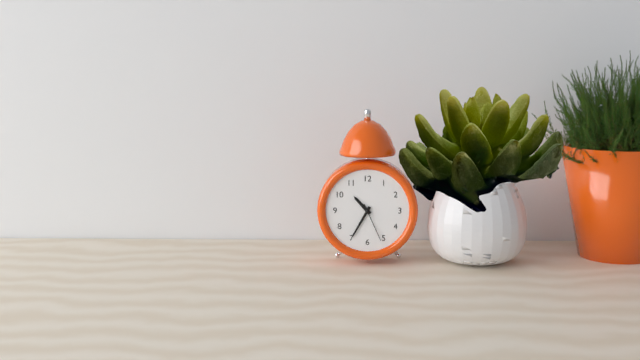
10,35
